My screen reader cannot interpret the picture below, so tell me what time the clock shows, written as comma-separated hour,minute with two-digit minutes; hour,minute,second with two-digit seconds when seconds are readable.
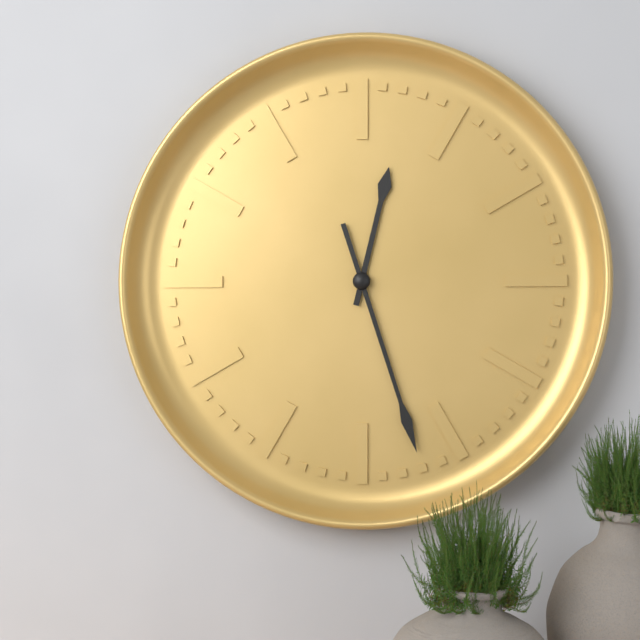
12,27
